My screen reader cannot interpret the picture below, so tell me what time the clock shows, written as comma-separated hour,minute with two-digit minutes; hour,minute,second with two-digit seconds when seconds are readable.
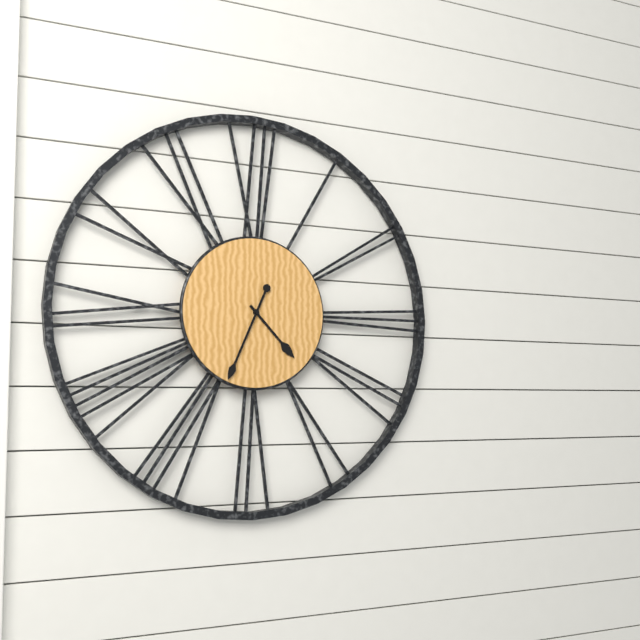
4,34
